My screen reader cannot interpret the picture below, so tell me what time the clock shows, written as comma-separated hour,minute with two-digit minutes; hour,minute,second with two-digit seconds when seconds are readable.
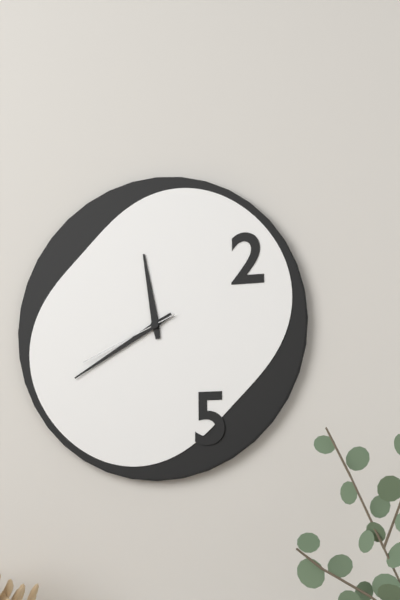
11,40,41
